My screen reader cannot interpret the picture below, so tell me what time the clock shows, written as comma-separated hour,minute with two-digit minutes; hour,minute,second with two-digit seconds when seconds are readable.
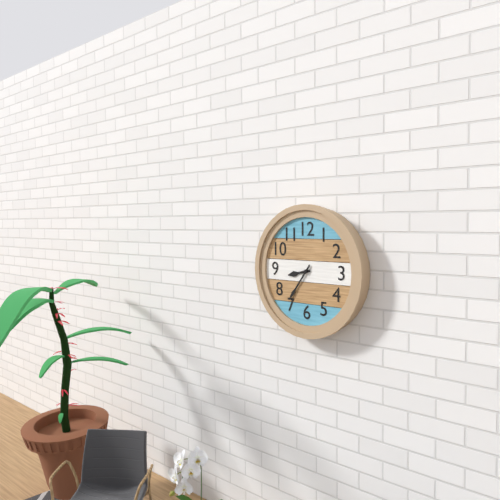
8,36
